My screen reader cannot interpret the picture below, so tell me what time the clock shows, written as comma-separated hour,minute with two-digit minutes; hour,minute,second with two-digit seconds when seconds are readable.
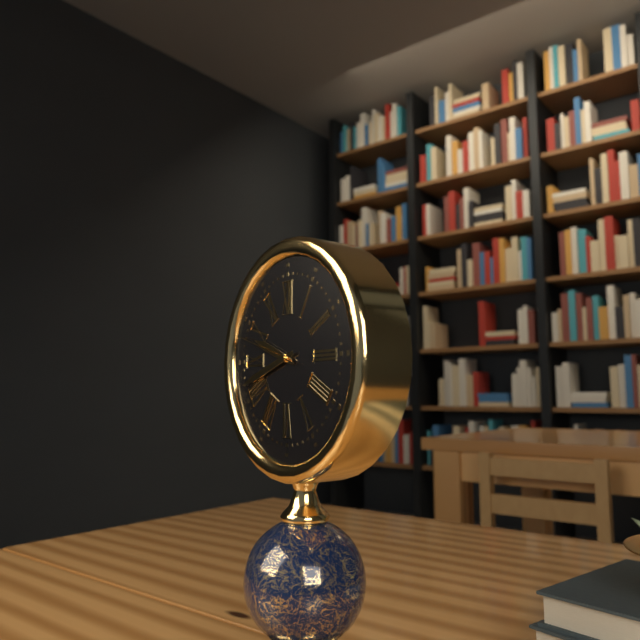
9,42,48
